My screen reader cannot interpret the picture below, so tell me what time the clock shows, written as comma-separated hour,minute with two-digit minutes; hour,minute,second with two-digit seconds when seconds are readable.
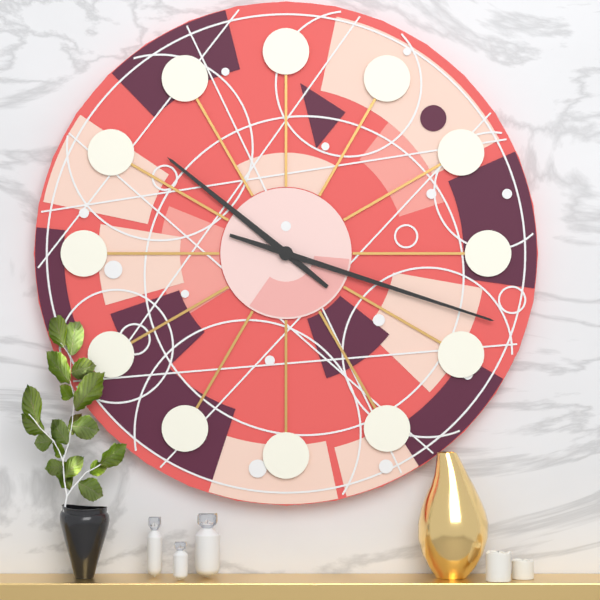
10,18
